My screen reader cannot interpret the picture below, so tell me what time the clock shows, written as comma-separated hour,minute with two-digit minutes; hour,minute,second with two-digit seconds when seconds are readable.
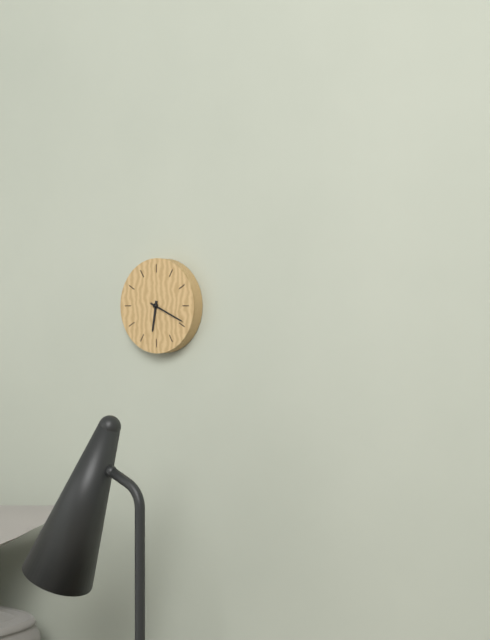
6,19
